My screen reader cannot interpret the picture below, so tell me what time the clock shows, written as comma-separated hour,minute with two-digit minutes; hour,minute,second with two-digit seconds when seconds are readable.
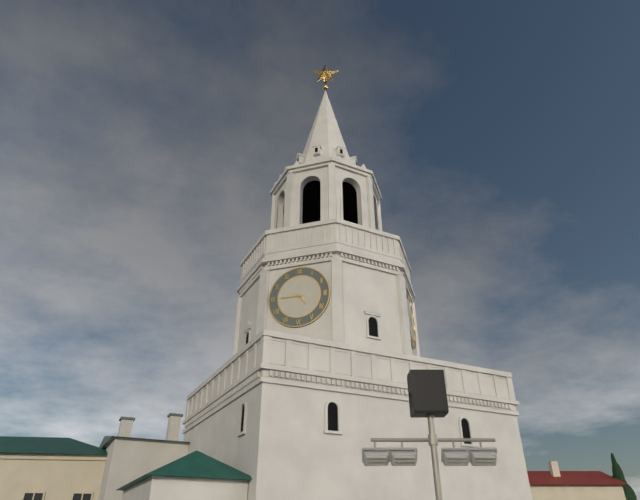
4,45
